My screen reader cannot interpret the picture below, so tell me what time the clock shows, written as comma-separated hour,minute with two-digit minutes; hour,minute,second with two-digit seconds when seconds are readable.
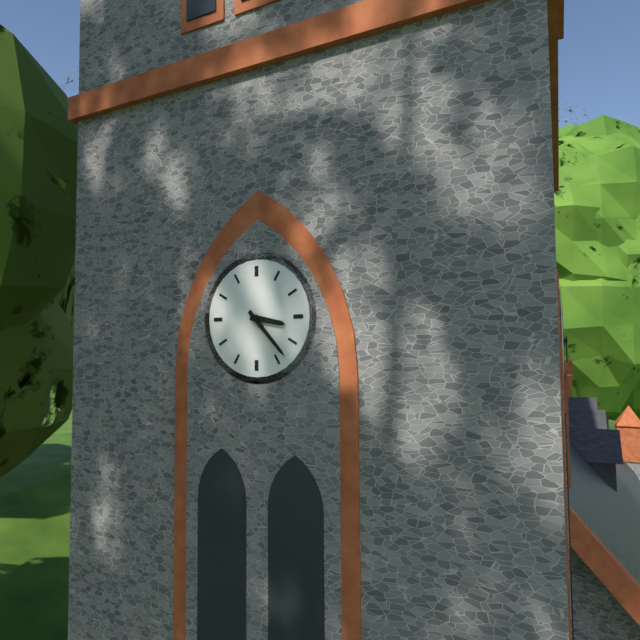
3,23
